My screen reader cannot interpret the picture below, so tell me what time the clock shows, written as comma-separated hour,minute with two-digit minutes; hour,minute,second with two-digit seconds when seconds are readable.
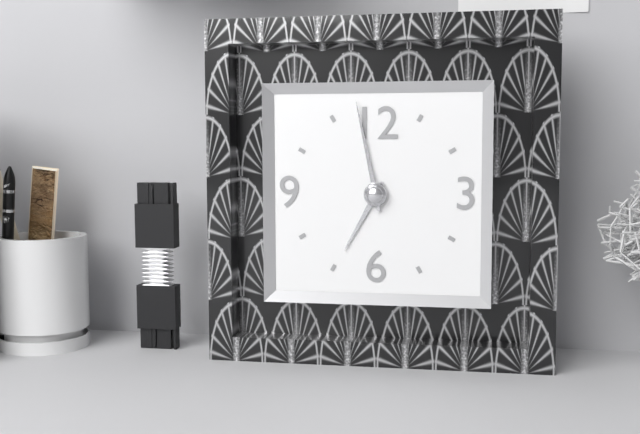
6,58
